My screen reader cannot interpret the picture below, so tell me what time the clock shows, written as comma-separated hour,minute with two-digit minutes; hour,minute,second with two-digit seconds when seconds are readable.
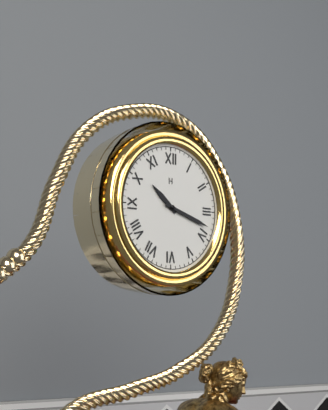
10,18
